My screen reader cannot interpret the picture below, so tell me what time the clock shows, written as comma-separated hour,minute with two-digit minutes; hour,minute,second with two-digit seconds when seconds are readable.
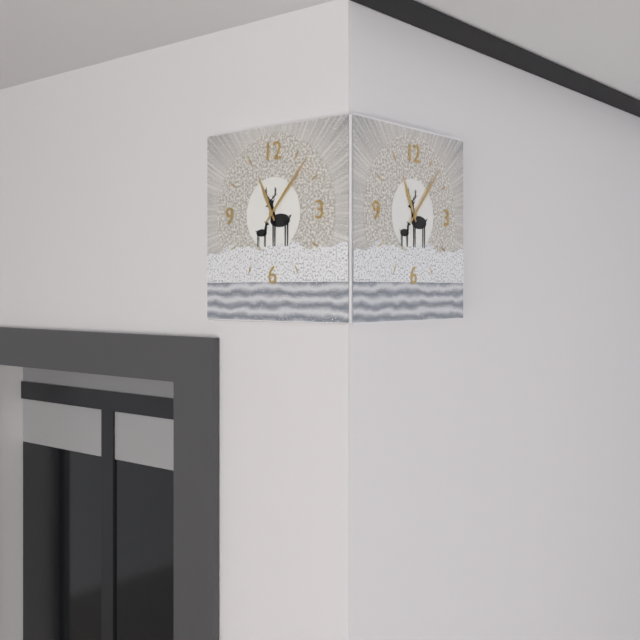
11,07
